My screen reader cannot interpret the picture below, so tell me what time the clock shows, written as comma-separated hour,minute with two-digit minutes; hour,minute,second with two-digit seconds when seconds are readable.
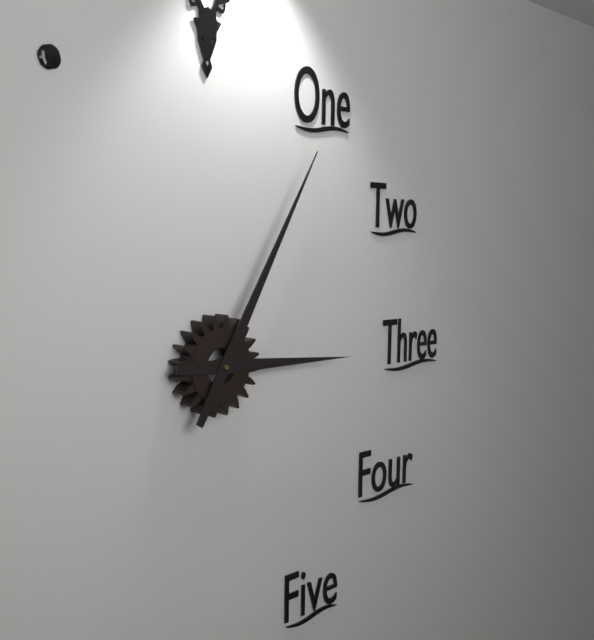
3,05
